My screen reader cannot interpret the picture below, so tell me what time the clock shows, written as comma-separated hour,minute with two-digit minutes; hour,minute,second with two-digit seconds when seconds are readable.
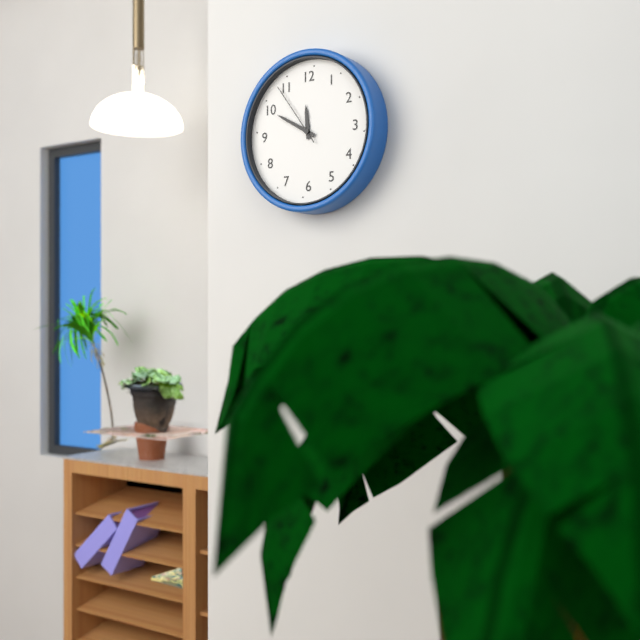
11,50,54
